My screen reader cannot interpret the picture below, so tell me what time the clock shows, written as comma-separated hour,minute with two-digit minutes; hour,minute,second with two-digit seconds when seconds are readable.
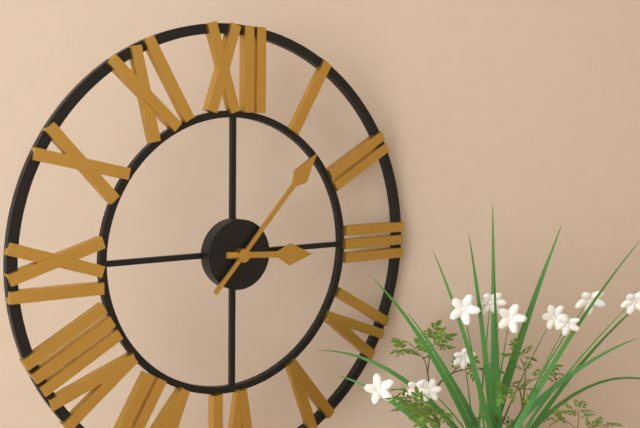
3,07
